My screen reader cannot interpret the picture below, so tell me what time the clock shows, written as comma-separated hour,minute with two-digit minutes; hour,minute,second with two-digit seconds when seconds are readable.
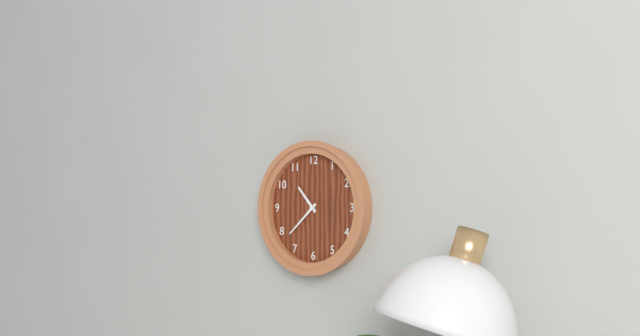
10,38
